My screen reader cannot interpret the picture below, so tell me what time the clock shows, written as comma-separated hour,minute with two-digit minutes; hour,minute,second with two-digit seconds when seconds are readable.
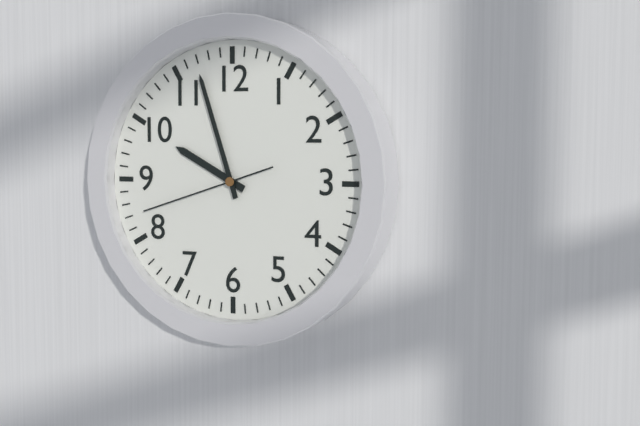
9,57,42
